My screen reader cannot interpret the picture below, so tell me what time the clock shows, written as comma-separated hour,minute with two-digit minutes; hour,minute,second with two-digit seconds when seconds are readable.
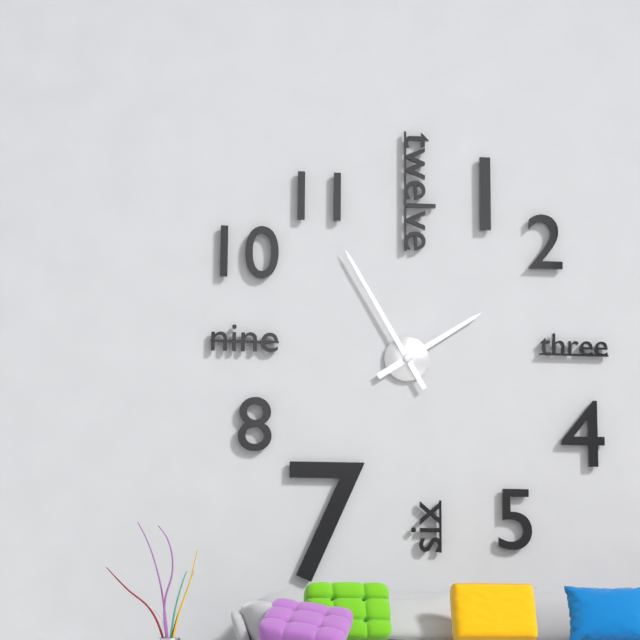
1,55
